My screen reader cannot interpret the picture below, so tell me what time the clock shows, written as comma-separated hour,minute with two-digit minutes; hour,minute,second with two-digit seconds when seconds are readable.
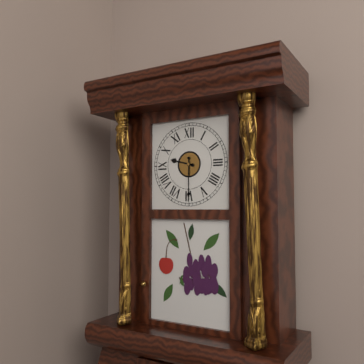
9,30
